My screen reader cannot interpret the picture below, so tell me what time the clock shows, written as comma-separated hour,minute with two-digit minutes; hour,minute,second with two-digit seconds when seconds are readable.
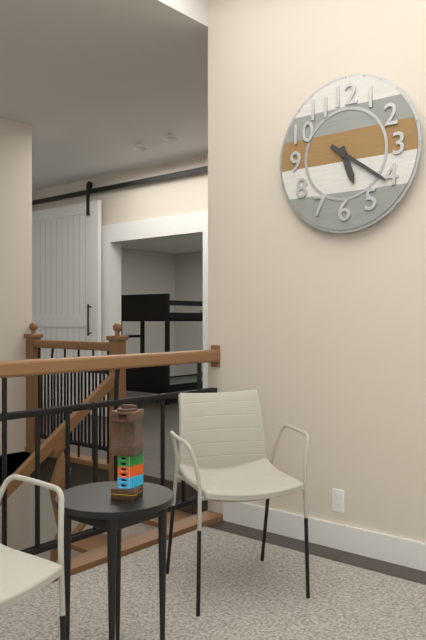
5,21
